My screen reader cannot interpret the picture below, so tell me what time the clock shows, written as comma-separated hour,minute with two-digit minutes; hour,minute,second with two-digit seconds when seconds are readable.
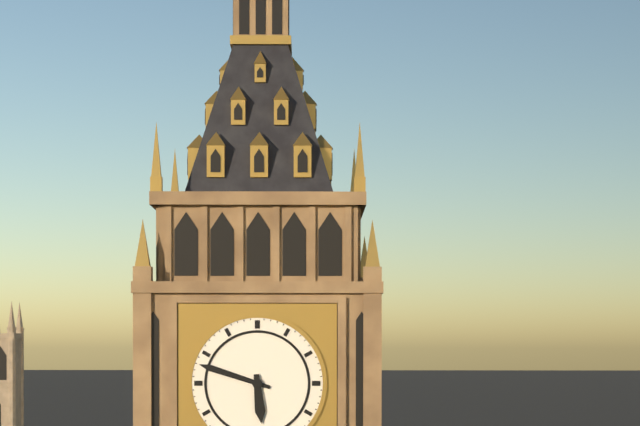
5,48
